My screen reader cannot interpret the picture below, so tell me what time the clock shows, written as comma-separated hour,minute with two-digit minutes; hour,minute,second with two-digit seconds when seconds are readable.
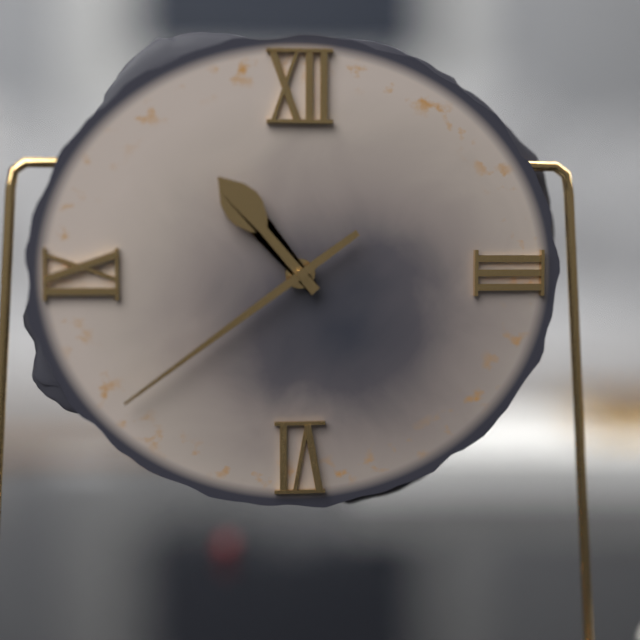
10,39
